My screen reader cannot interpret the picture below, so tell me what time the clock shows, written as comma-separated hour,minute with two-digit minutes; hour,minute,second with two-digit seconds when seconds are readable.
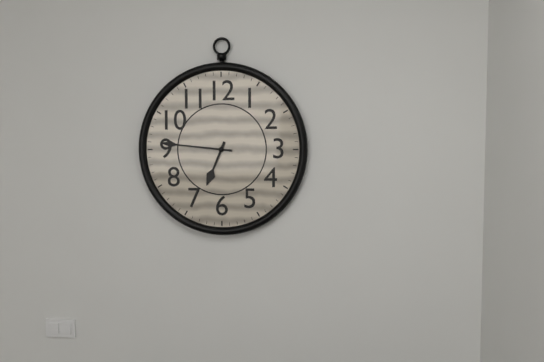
6,46
